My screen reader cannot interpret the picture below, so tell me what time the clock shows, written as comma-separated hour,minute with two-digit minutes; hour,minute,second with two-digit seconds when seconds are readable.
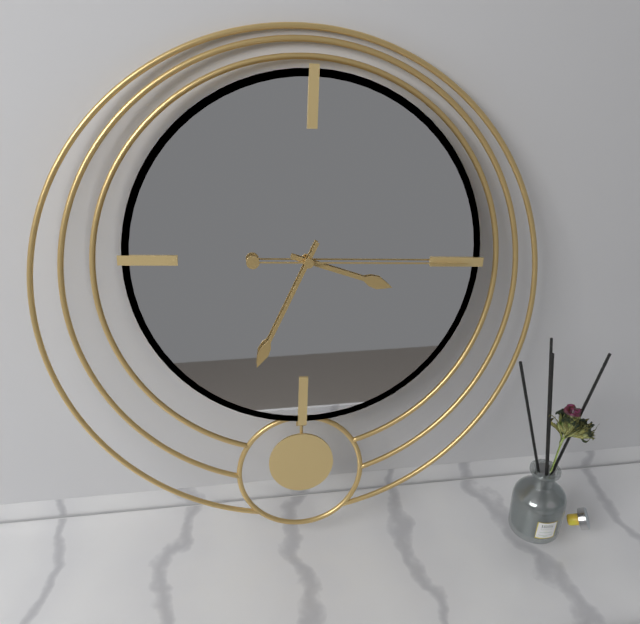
3,34,15
